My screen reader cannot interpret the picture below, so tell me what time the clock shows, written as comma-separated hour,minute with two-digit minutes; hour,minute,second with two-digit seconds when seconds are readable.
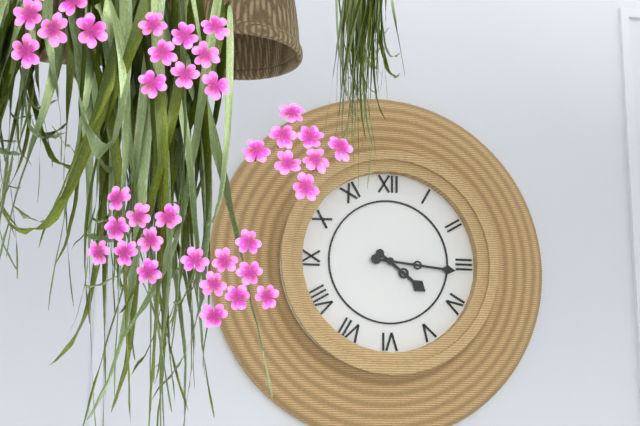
4,16
